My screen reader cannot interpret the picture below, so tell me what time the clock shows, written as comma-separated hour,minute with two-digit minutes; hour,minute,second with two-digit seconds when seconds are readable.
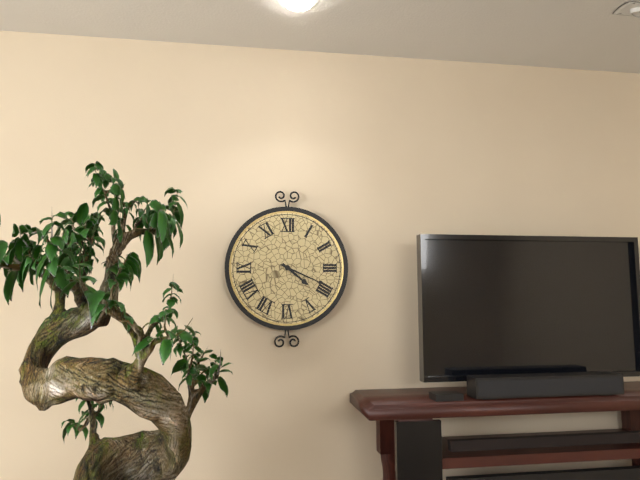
4,19
